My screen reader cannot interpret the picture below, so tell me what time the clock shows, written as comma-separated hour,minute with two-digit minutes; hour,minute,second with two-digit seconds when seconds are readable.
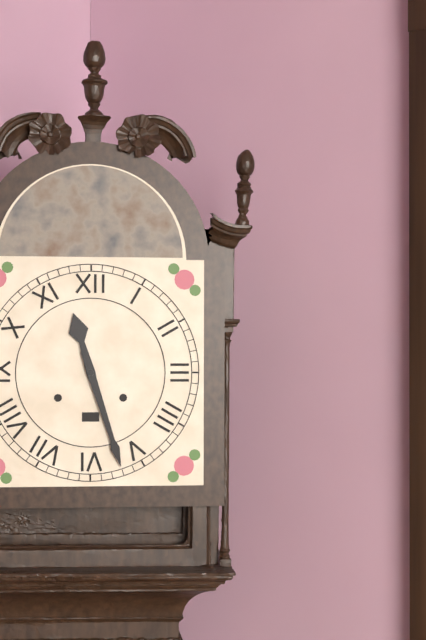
11,27
